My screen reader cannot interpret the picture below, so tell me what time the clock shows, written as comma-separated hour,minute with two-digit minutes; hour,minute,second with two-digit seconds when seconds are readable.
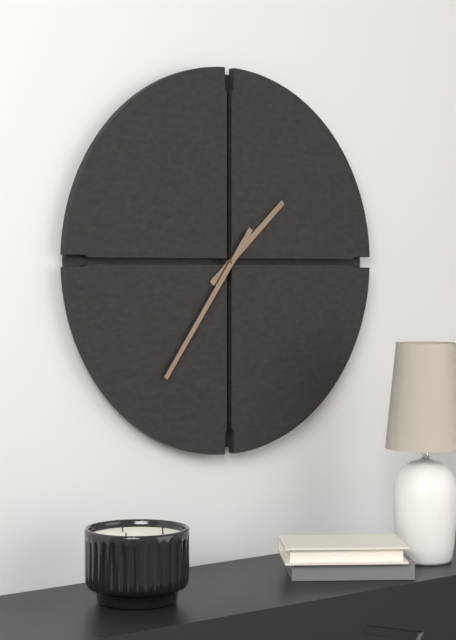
1,36
